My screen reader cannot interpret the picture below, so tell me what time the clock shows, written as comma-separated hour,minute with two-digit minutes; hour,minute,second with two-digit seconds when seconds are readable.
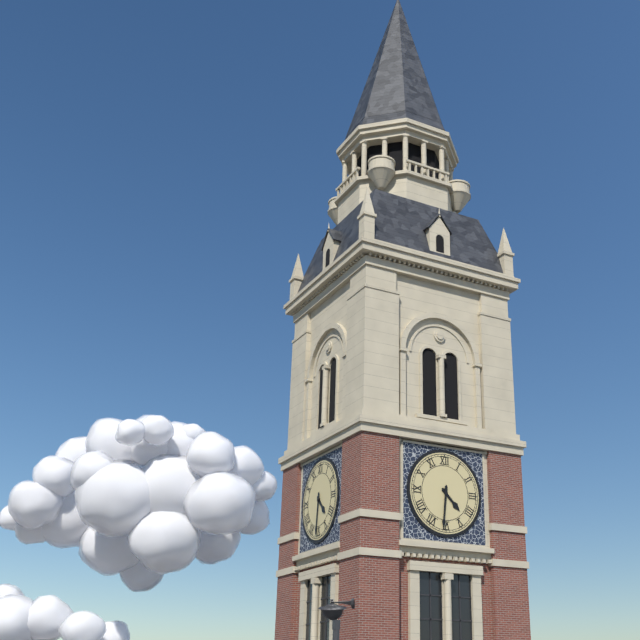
4,31
